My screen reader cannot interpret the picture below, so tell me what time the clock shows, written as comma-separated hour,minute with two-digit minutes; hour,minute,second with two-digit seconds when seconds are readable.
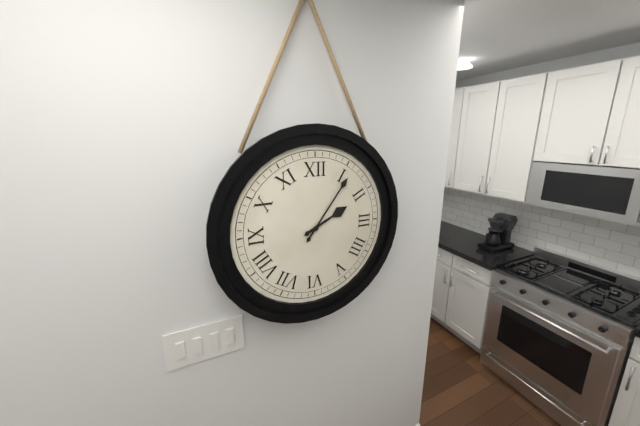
2,06
